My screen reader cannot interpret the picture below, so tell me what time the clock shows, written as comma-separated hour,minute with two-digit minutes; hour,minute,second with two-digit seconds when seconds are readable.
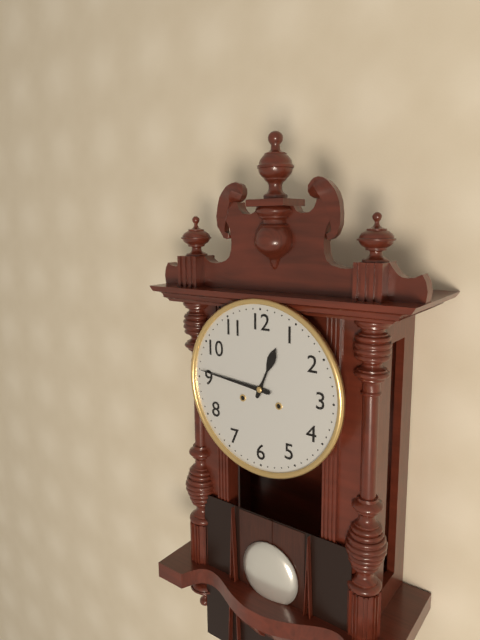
12,46
